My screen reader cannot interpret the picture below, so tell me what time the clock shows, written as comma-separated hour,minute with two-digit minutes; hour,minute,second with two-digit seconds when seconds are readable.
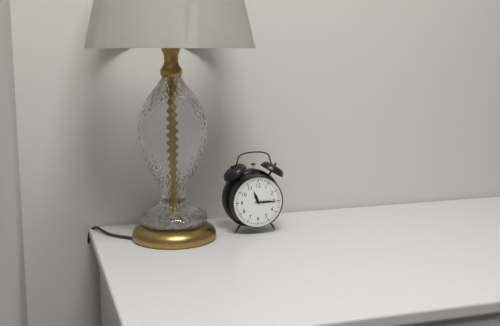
11,15
